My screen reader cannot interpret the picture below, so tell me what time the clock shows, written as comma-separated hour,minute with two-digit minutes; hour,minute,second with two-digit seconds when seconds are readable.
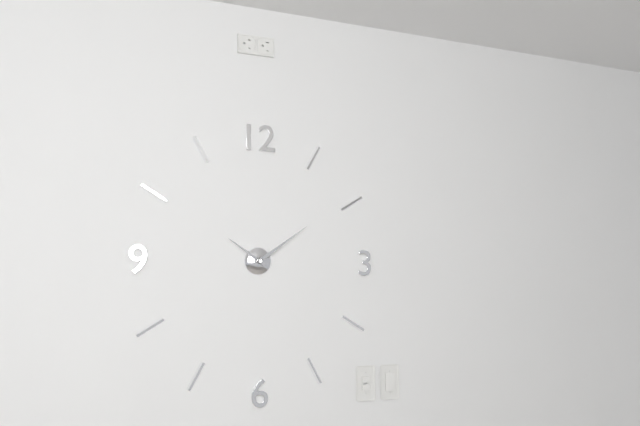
10,09
